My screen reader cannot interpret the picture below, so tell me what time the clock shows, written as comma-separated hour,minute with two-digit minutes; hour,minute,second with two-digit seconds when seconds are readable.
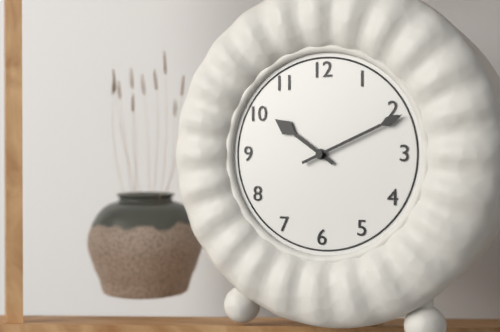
10,11
